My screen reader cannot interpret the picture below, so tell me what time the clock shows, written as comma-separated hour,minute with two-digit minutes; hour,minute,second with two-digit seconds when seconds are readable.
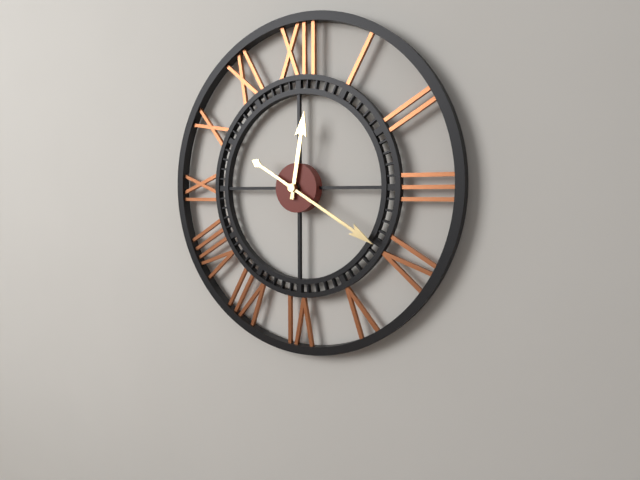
12,20
